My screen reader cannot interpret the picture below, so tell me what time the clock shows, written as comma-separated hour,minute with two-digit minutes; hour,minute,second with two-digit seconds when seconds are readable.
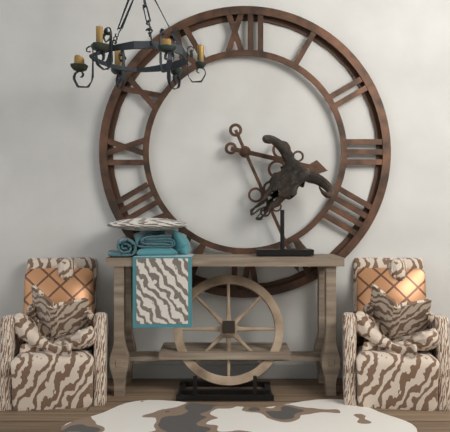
3,26
